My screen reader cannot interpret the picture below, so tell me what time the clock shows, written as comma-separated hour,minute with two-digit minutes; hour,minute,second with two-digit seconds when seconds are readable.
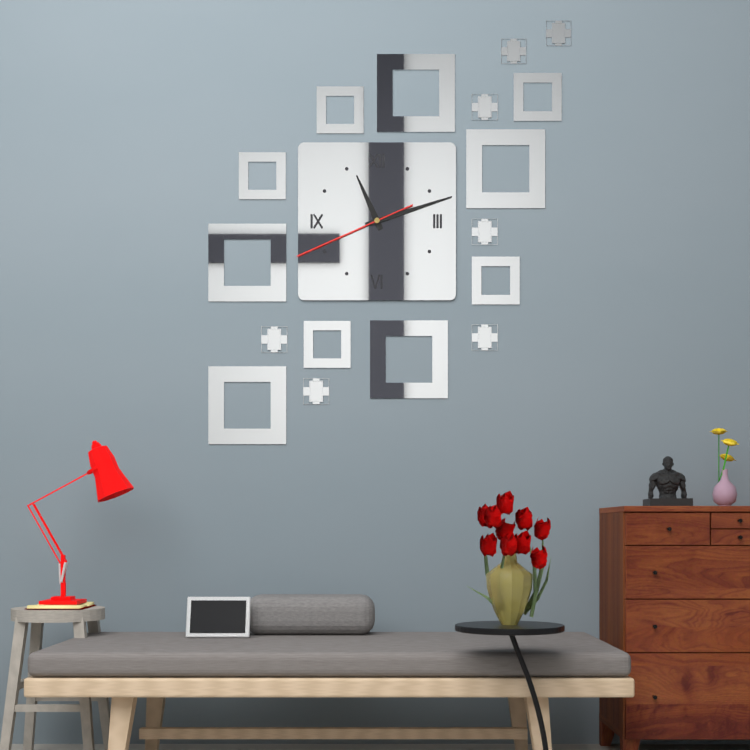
11,12,41
